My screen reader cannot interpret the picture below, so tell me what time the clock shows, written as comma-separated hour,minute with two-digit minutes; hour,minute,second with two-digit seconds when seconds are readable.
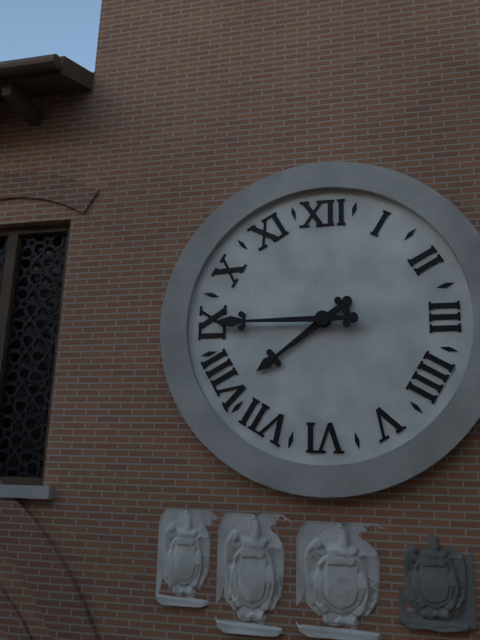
7,45
